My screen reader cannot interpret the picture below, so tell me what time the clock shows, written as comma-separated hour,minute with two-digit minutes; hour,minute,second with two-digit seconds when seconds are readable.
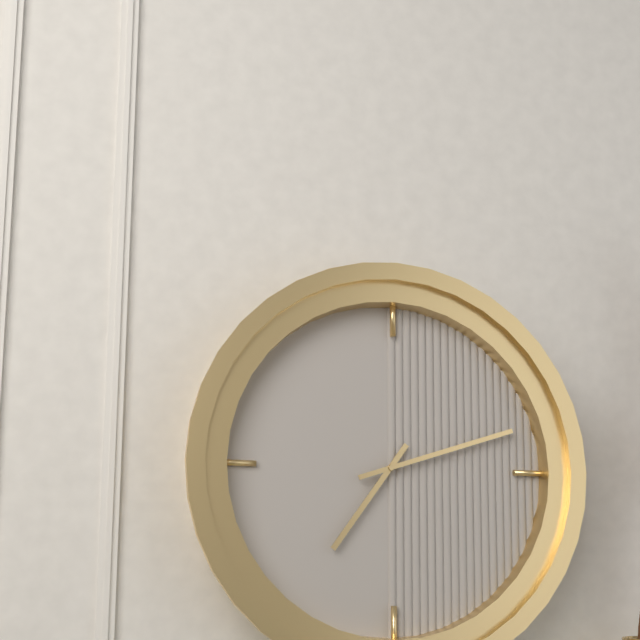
7,12
